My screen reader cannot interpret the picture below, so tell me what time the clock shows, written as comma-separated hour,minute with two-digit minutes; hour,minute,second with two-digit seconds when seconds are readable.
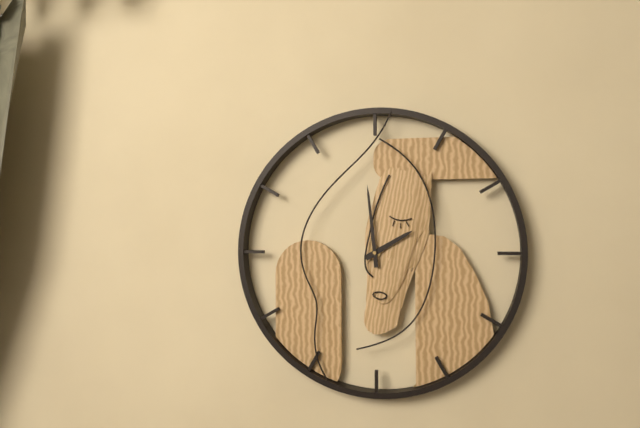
1,59
